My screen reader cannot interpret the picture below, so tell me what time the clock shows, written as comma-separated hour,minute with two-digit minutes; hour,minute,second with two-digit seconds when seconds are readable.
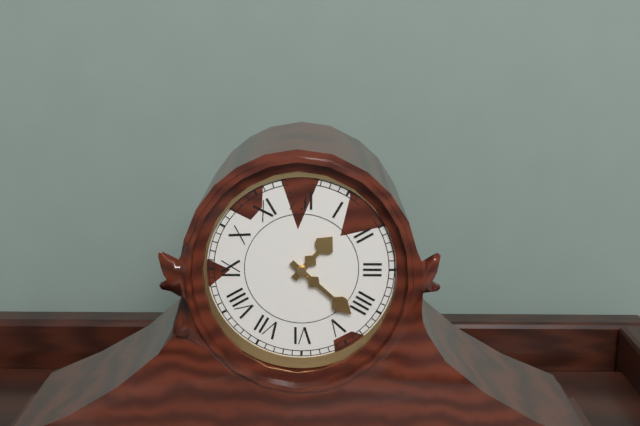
1,22
